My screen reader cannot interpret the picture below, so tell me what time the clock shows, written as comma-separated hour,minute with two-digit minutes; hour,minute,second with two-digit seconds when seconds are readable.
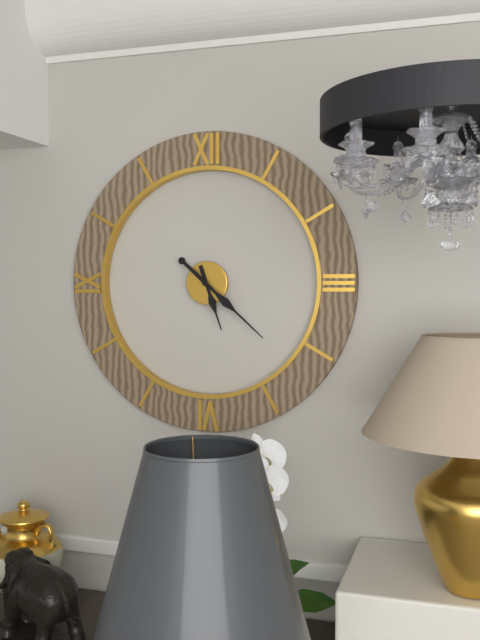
5,22
